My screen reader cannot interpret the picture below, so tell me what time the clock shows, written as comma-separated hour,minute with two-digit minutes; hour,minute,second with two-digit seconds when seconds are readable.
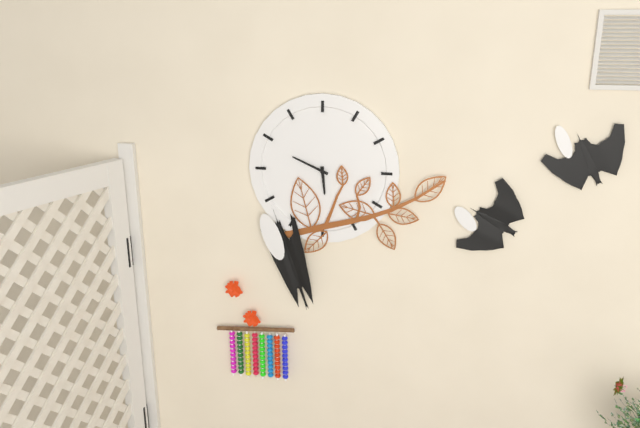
5,49
